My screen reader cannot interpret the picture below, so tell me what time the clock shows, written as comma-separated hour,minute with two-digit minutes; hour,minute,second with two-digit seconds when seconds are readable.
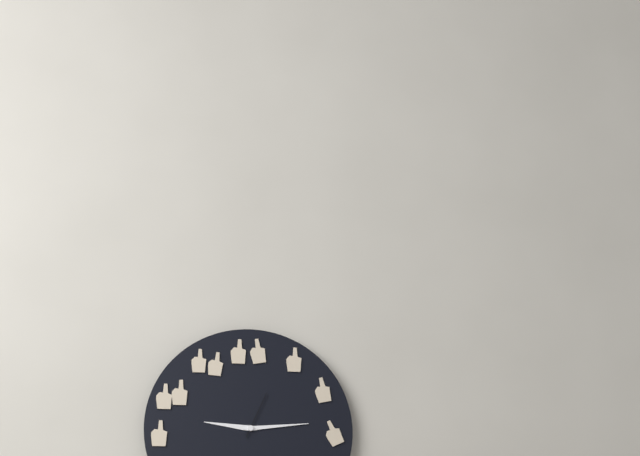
9,14,04
